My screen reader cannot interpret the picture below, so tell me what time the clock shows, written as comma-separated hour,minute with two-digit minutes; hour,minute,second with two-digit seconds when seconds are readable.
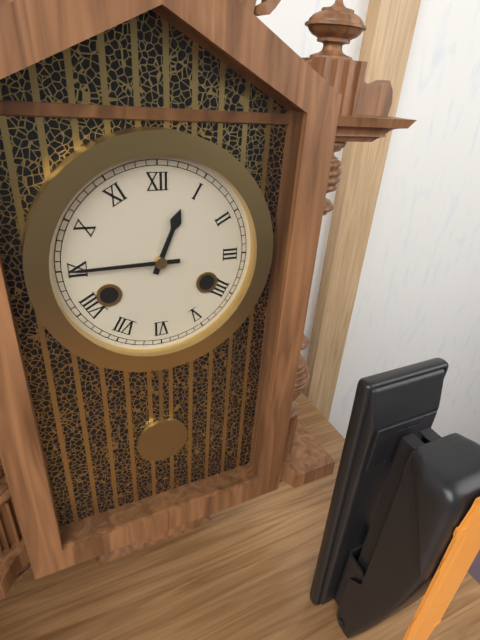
12,45
